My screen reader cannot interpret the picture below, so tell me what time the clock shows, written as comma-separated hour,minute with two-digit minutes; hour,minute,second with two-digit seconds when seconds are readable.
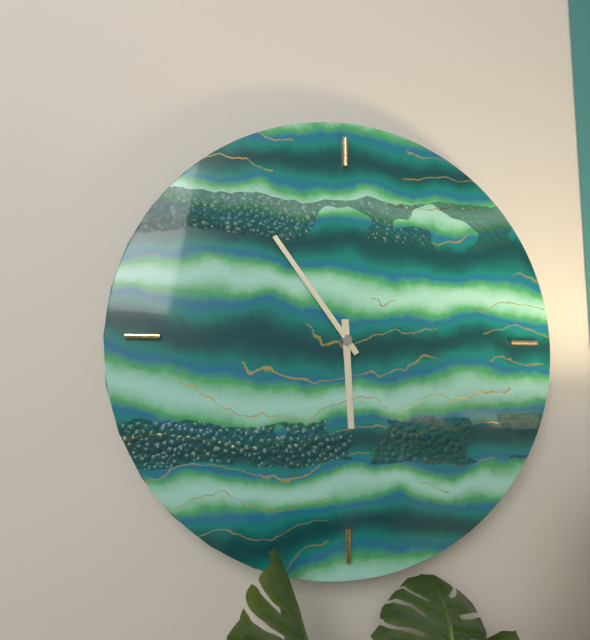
5,54
